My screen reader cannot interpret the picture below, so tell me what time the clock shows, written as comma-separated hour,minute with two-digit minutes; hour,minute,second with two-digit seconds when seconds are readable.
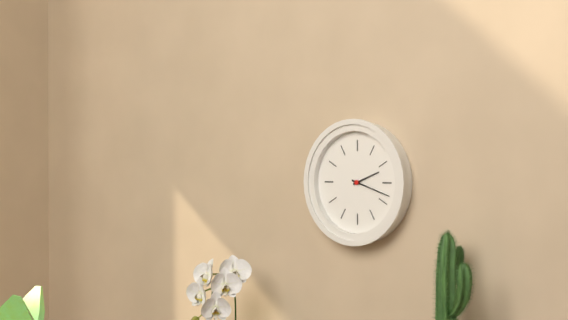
2,18
